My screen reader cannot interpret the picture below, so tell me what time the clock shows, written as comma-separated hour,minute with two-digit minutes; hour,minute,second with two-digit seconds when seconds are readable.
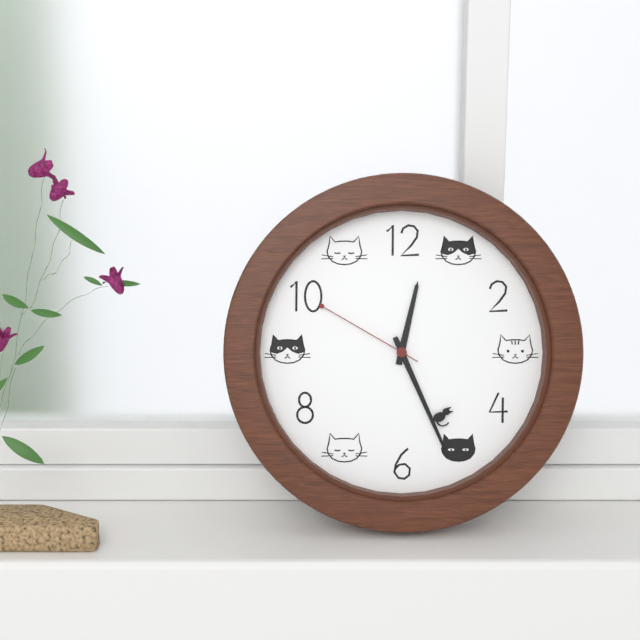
12,26,50
